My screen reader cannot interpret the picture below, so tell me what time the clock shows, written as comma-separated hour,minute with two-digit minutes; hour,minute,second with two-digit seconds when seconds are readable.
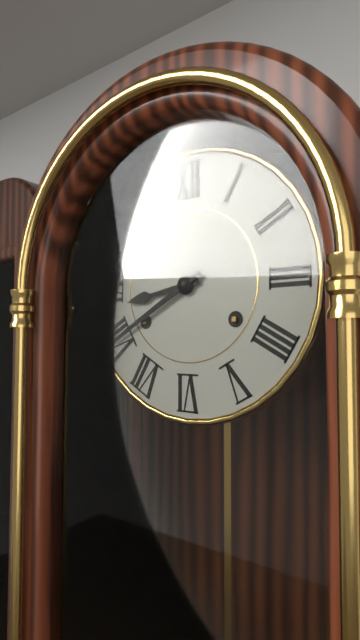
8,40
